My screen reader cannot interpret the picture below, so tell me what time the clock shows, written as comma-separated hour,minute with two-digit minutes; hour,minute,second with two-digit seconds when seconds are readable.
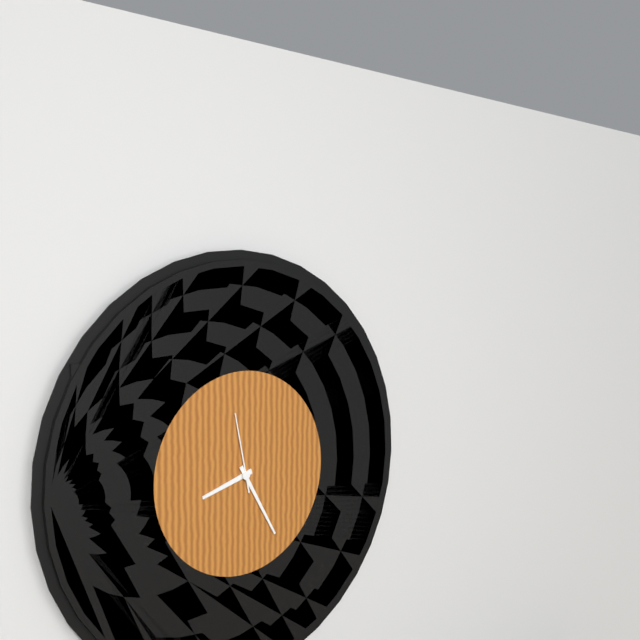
8,25,58
